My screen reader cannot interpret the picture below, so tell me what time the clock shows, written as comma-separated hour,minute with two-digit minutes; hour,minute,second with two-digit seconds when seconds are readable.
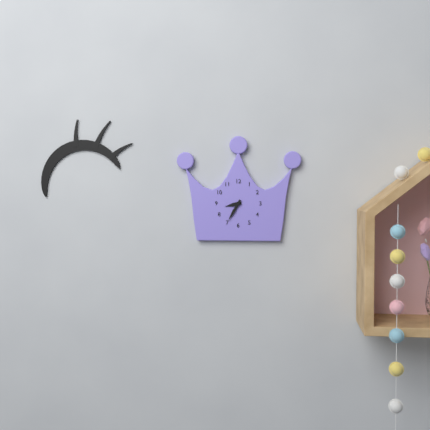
8,35
